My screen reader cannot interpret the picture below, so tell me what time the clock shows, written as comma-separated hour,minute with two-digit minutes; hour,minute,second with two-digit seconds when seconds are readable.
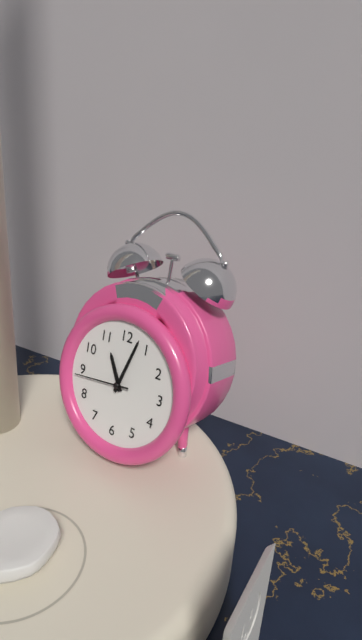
11,03,44
